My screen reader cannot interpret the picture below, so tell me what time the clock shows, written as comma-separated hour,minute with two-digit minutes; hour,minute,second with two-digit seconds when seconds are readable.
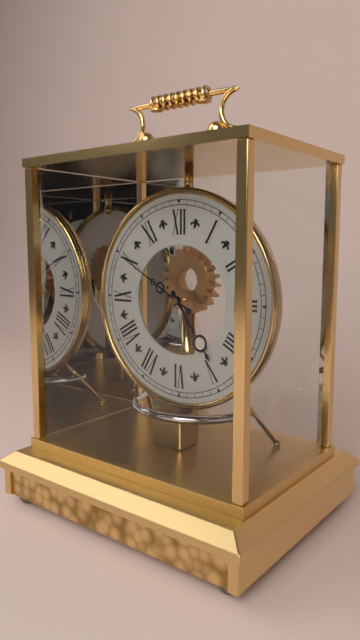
4,50
